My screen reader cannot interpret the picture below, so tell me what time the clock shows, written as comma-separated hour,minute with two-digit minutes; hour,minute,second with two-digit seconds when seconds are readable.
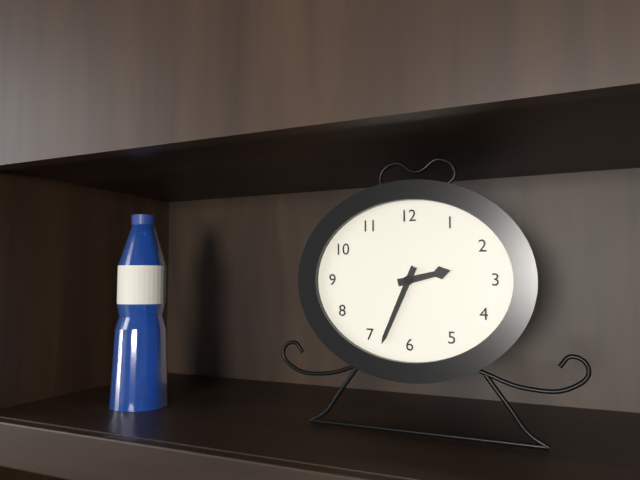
2,34
